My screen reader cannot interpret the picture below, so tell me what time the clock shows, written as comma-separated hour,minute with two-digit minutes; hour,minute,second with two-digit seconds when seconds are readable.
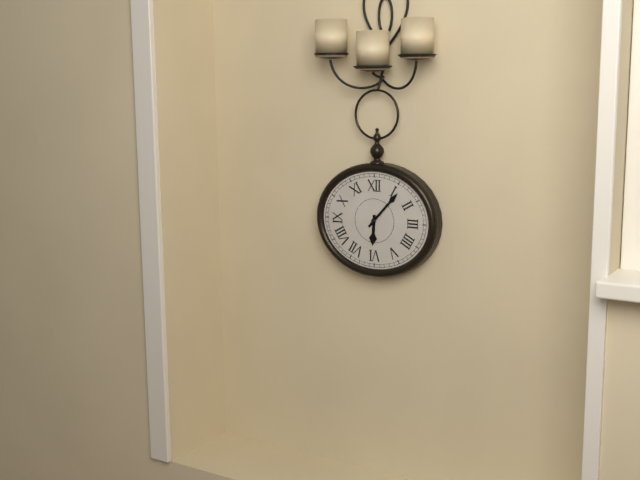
6,07
